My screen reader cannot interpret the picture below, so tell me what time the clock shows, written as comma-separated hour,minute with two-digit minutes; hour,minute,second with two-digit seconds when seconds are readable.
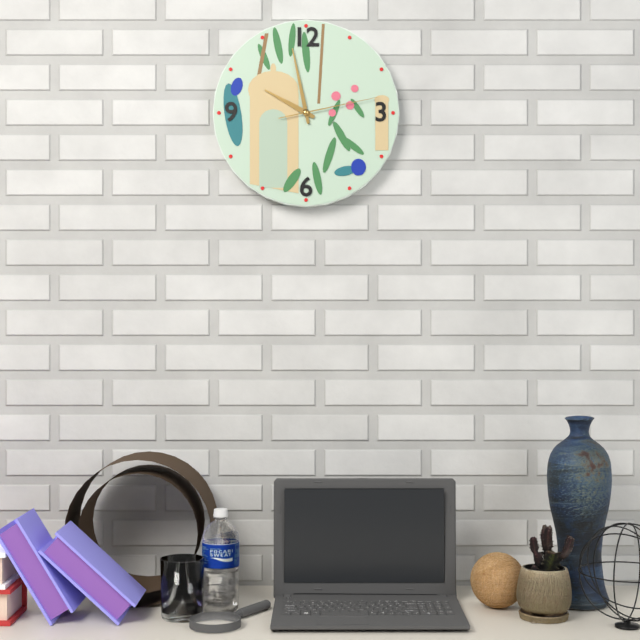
9,58,13
